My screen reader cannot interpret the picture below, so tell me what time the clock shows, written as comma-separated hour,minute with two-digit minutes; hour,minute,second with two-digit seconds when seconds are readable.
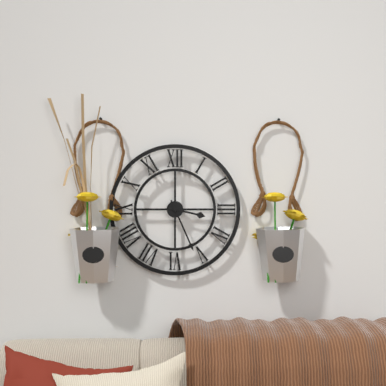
3,26
